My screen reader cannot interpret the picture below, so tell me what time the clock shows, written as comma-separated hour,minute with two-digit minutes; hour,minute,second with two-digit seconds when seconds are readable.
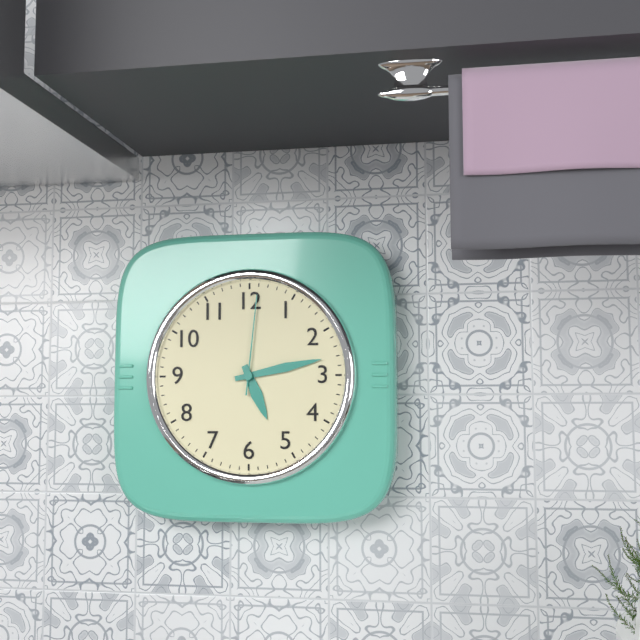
5,13,01
